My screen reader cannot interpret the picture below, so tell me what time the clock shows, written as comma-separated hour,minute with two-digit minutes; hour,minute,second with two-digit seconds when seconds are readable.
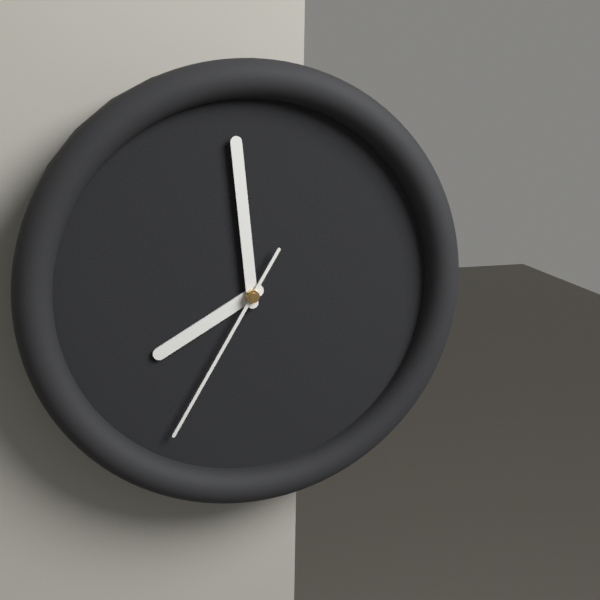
7,59,35
